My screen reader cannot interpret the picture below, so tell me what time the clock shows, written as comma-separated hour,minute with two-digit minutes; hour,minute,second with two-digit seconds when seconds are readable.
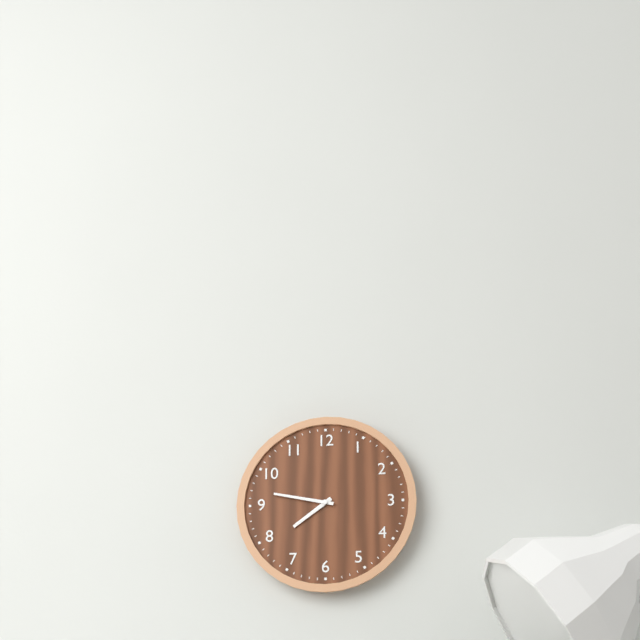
7,47
